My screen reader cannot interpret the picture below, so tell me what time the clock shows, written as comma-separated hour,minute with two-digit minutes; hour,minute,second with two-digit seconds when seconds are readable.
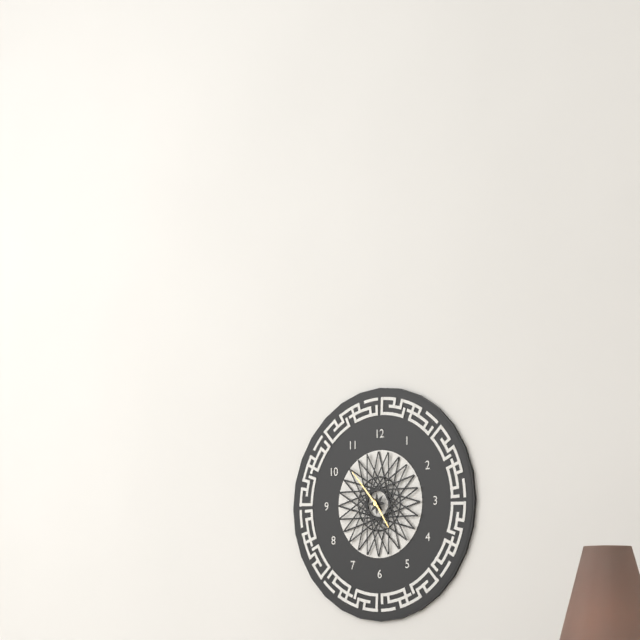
4,53
